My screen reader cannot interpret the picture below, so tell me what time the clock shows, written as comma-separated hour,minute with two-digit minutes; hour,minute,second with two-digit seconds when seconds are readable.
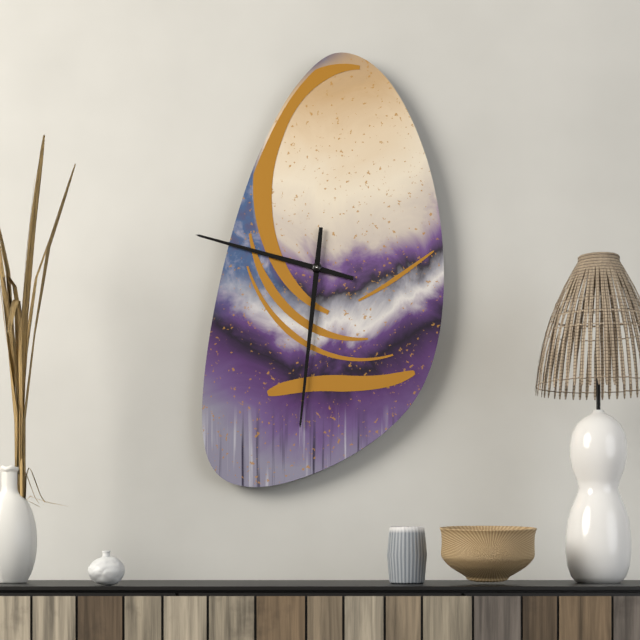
9,31
